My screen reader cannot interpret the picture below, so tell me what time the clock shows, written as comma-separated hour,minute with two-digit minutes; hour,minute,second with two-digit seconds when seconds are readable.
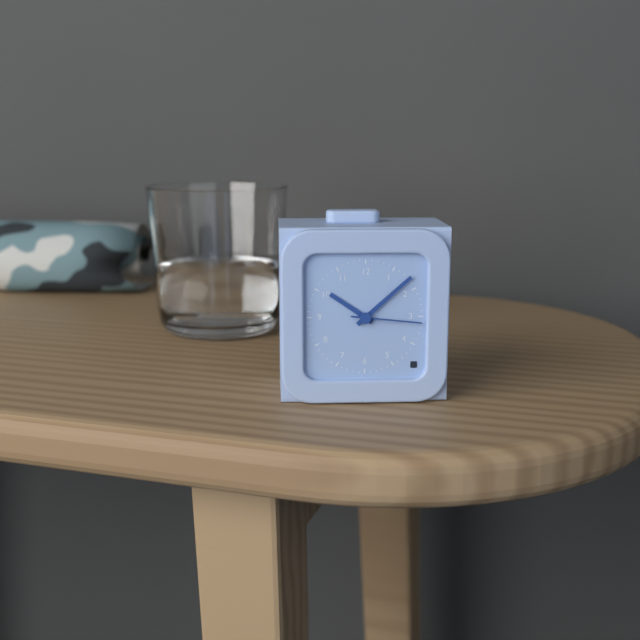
10,08,16
